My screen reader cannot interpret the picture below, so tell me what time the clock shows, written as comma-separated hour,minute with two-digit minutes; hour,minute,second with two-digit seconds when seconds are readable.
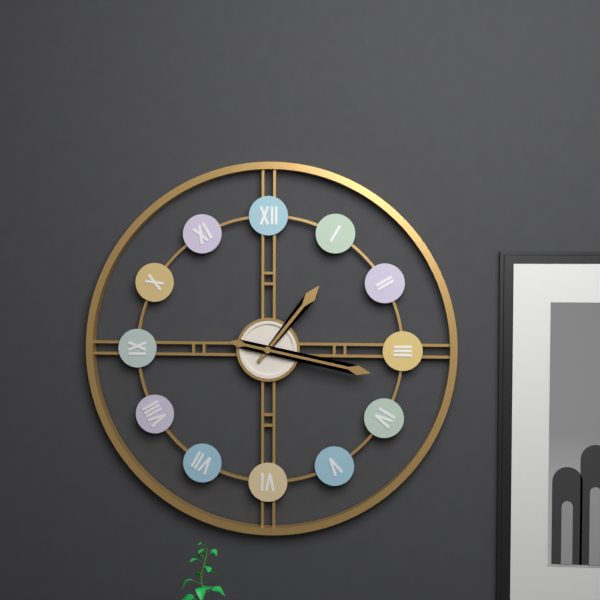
1,17
